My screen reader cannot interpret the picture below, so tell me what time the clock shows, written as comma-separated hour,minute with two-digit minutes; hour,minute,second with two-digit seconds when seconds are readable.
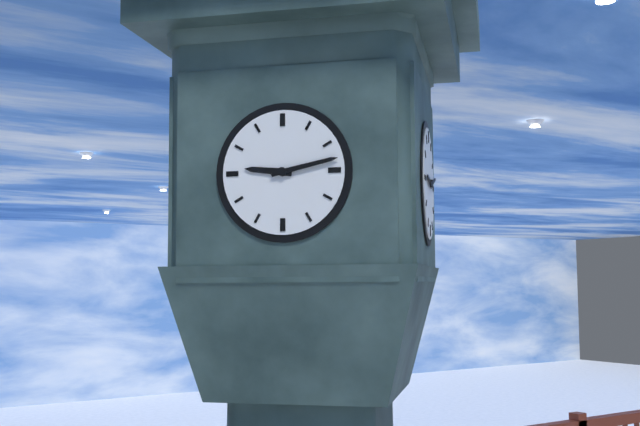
9,13
